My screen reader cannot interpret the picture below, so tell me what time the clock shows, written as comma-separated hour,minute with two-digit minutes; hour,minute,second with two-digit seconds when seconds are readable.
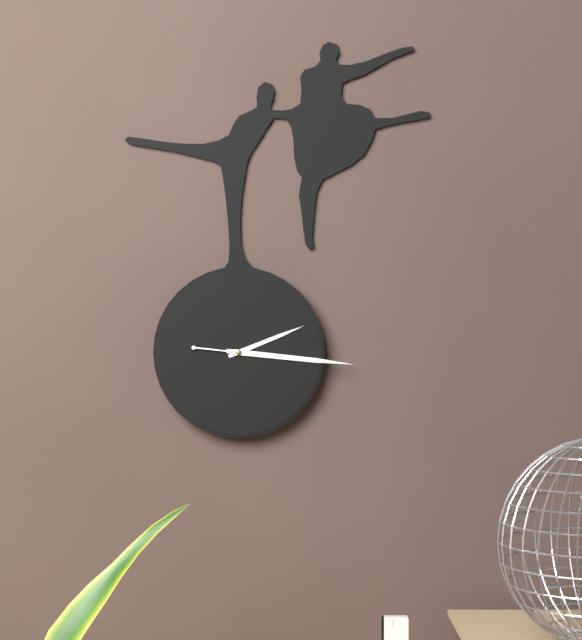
2,16,16
